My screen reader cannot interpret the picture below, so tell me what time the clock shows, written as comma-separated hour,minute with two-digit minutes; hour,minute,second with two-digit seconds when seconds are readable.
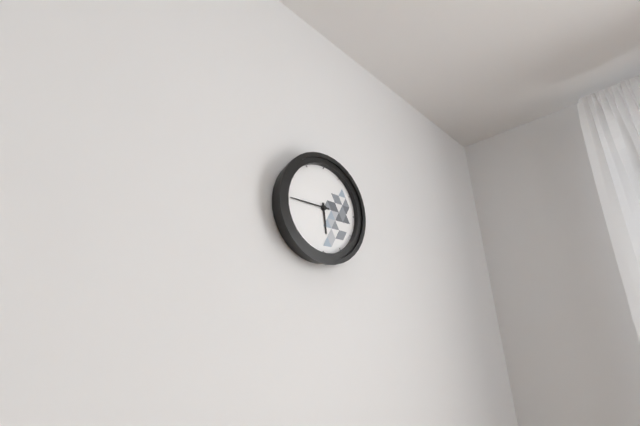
5,45
